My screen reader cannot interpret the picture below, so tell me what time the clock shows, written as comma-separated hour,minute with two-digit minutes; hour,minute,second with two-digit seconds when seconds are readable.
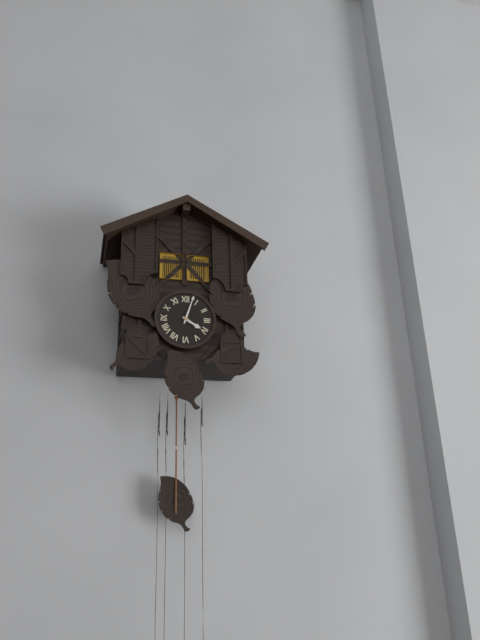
4,03
